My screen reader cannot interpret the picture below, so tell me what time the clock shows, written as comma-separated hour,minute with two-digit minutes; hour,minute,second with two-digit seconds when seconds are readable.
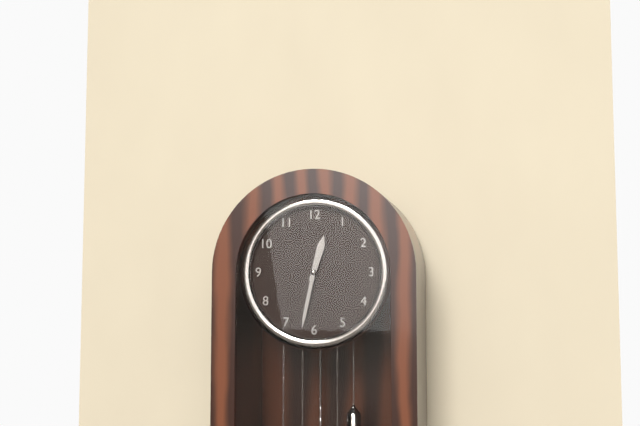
12,32
